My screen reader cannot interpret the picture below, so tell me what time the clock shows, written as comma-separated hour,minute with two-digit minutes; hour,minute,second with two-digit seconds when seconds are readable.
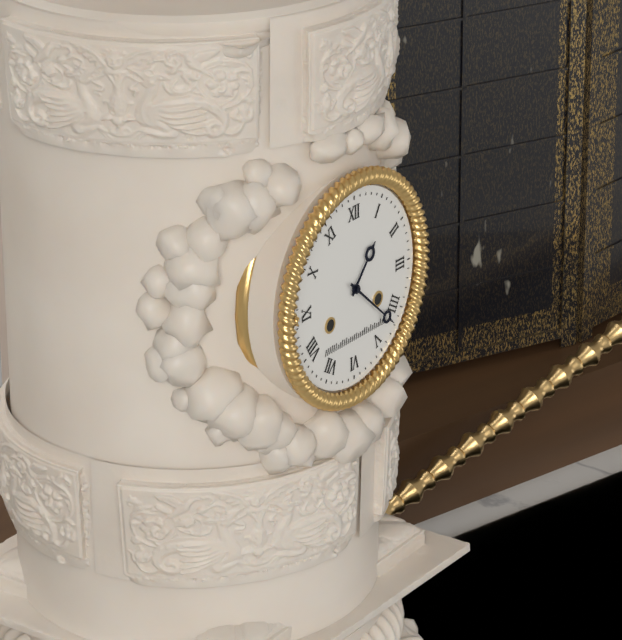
1,22
